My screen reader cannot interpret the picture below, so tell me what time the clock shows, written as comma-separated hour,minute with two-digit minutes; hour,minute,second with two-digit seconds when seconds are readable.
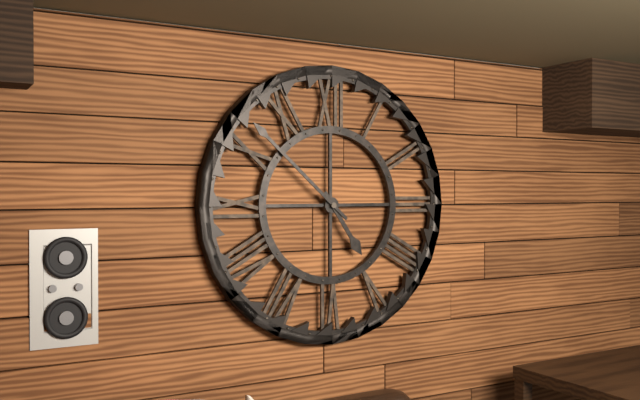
4,52
